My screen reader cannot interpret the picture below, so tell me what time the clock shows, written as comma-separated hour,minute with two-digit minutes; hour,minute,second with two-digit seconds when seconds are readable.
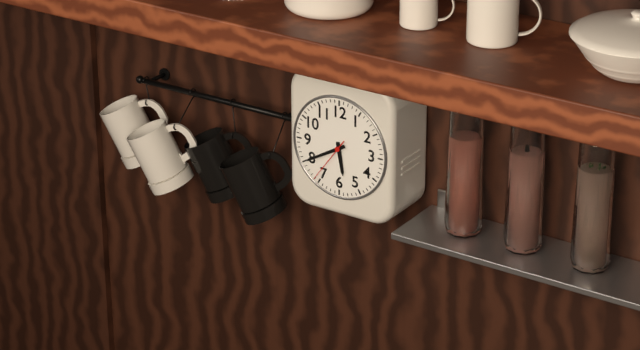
5,40
